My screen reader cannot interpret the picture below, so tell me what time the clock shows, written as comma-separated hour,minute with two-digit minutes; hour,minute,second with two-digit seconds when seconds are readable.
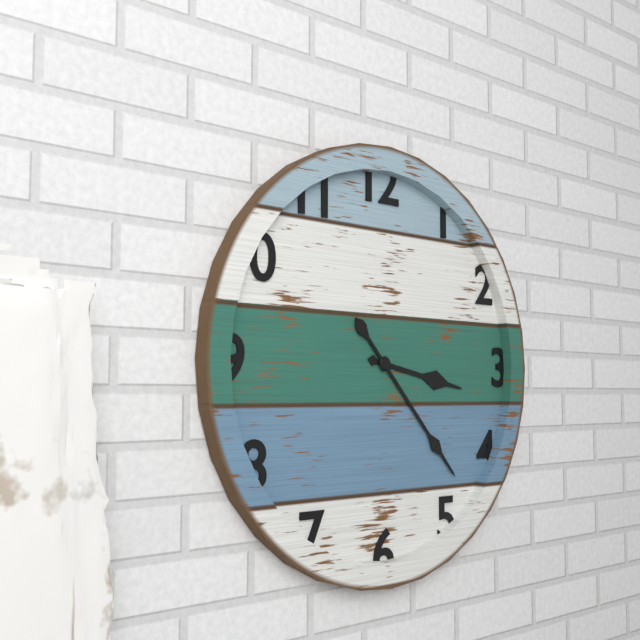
3,23
